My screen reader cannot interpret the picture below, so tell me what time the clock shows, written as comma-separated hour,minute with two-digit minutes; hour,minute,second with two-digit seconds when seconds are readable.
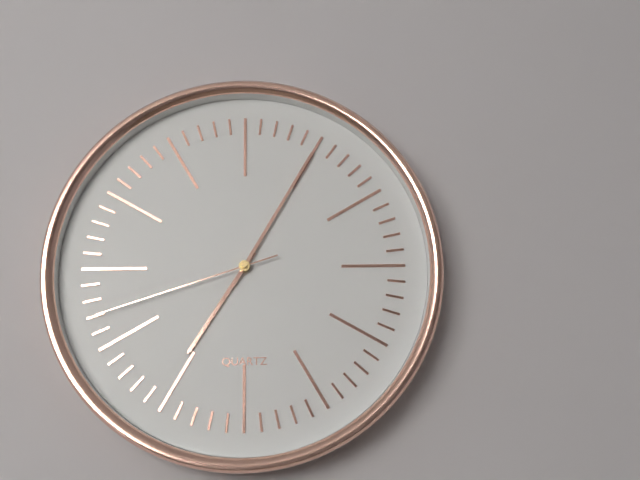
7,05,42
